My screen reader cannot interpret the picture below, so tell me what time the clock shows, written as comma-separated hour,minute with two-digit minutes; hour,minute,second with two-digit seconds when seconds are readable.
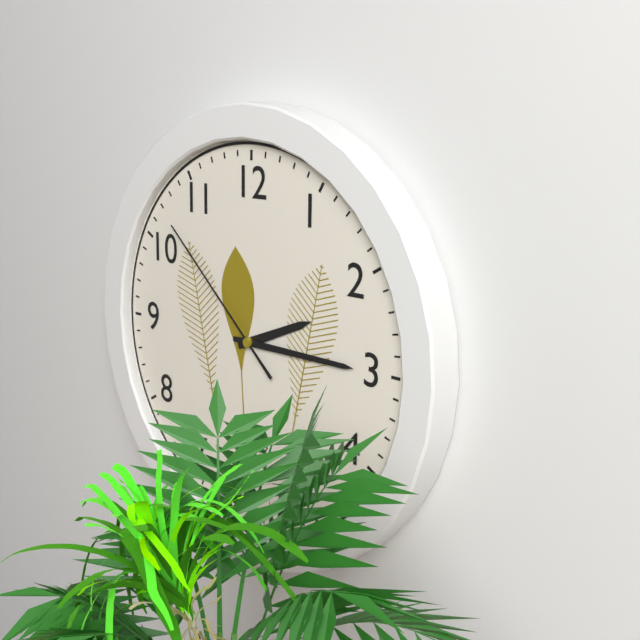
2,15,52
